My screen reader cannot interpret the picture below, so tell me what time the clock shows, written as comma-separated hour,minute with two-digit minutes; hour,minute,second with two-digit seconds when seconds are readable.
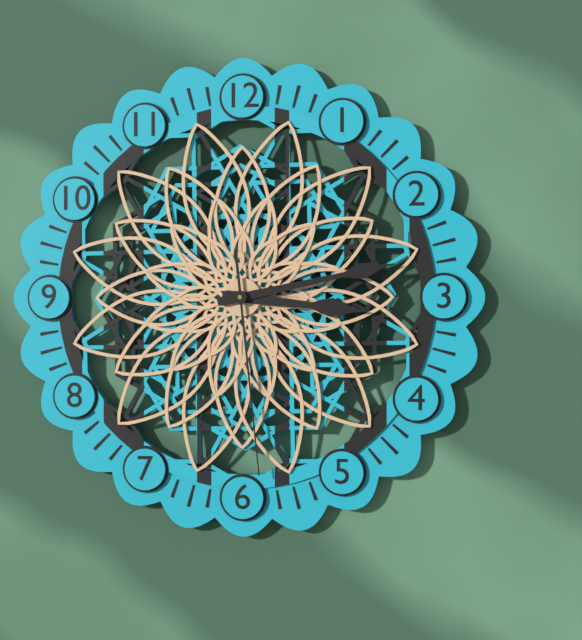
3,13,29
